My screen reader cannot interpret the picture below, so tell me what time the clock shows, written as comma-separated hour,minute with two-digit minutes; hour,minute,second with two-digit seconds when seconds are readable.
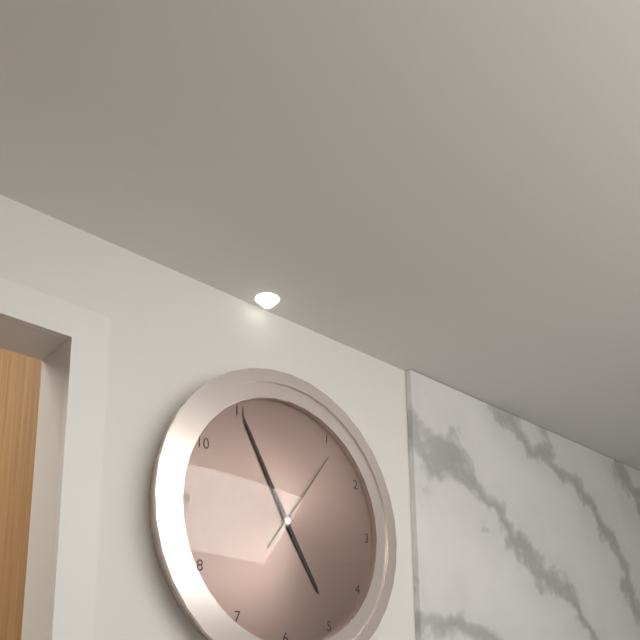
4,55,06
